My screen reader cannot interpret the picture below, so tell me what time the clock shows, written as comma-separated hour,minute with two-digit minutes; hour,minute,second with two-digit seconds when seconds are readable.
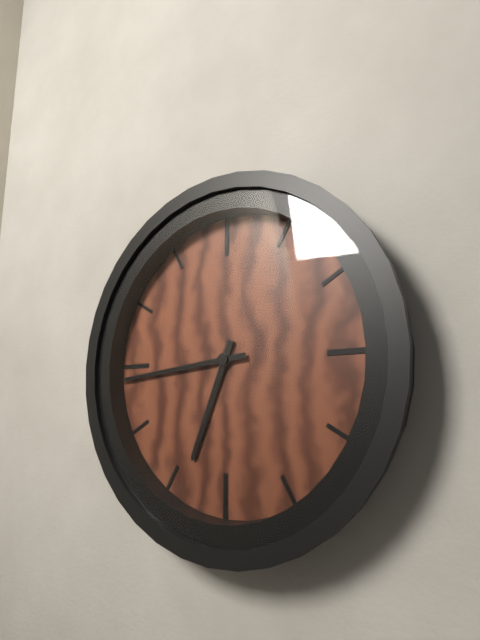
6,44
